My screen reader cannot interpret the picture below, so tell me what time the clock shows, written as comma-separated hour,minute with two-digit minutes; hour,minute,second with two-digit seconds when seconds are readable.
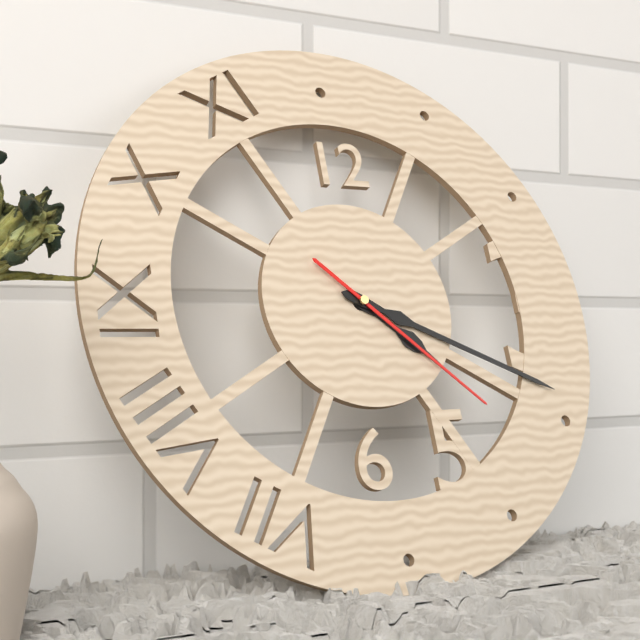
4,19,22
